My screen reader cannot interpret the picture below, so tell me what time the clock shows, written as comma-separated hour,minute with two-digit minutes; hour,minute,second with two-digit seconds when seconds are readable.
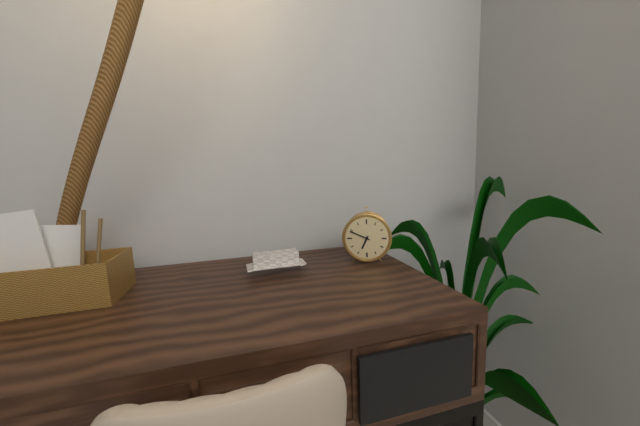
6,49
